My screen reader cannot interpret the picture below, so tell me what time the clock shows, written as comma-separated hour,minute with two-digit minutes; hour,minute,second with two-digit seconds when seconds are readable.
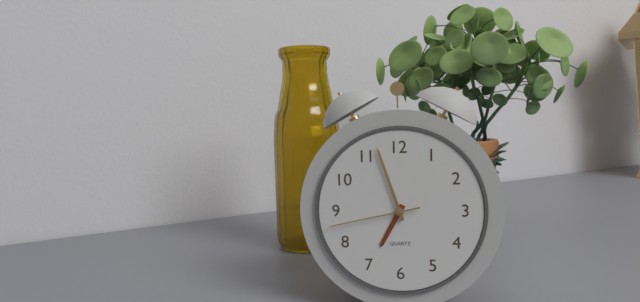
6,57,43
